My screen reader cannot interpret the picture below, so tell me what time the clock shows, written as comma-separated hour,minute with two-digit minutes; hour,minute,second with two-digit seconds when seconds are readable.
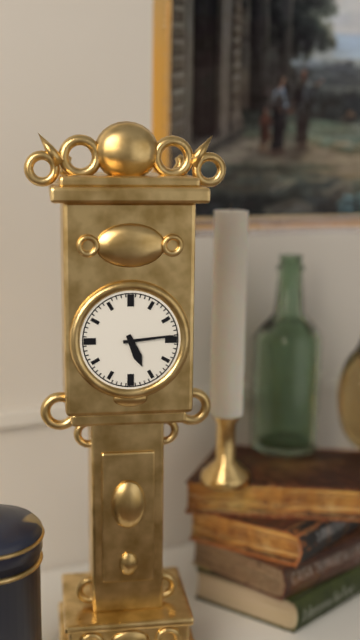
5,14
